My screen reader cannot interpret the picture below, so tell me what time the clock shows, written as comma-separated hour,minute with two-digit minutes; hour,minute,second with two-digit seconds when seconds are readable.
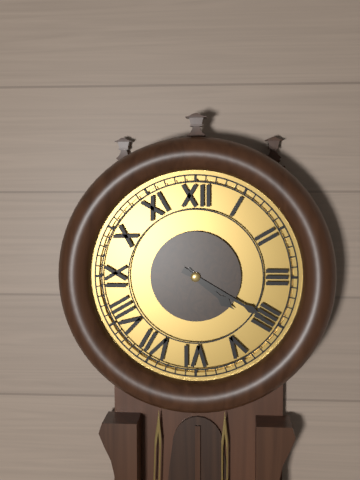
4,20
